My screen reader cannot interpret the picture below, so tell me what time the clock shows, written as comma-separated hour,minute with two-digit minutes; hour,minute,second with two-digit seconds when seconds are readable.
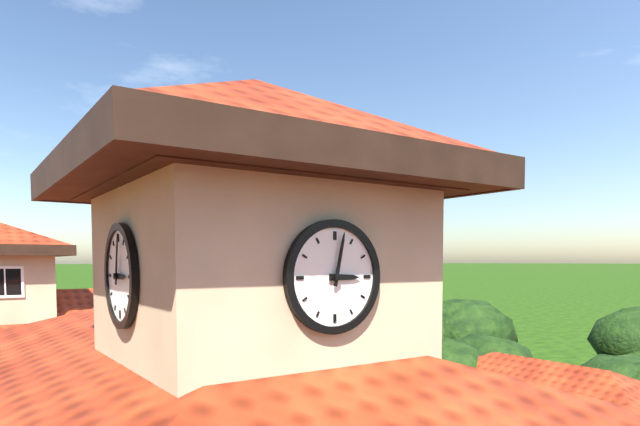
3,02
